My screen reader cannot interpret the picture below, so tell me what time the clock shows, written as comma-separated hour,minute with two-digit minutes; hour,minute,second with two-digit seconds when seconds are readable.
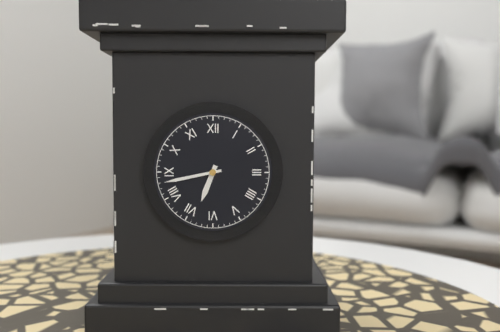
6,43
